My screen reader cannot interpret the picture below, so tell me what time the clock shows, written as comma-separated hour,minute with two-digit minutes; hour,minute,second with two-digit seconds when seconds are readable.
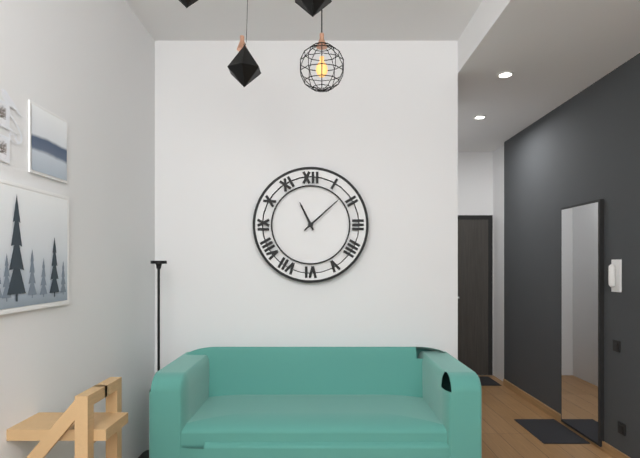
11,08
